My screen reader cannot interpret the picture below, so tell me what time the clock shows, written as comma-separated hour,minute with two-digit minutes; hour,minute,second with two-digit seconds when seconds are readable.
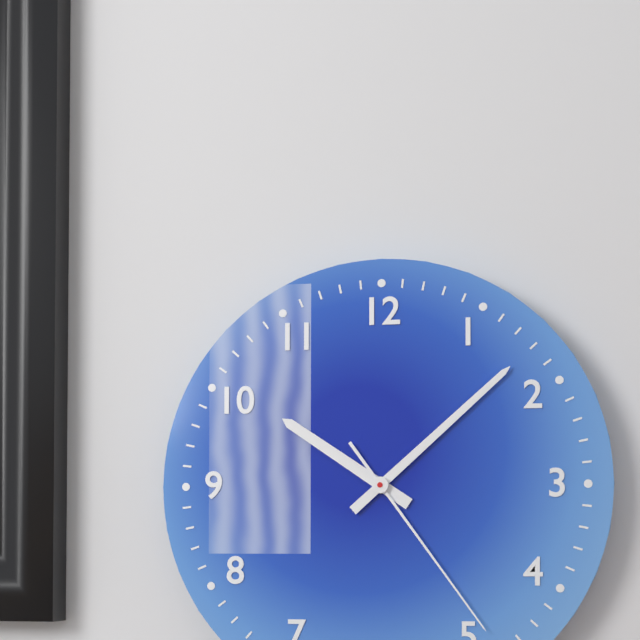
10,08,24
